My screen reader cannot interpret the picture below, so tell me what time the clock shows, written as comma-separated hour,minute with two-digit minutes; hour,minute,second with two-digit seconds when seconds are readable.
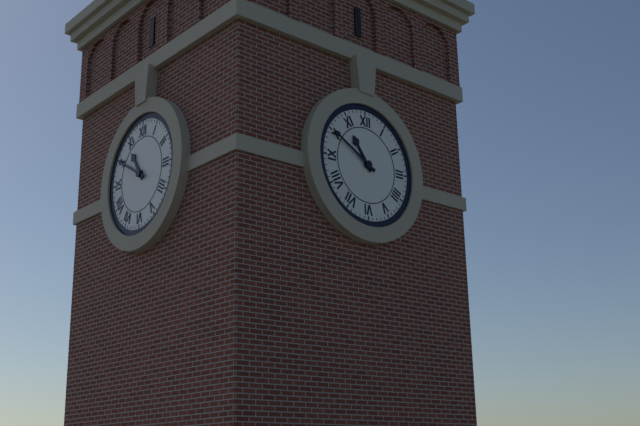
10,50
